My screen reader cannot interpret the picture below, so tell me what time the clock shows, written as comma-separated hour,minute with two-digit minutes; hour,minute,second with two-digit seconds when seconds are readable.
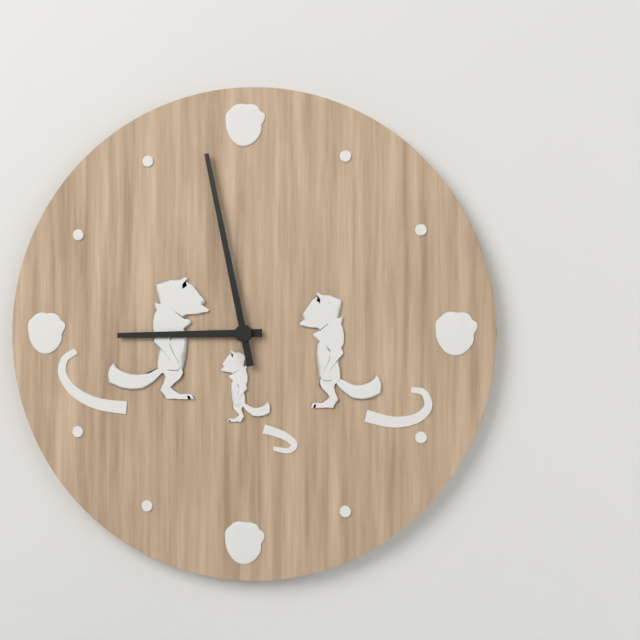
8,58
